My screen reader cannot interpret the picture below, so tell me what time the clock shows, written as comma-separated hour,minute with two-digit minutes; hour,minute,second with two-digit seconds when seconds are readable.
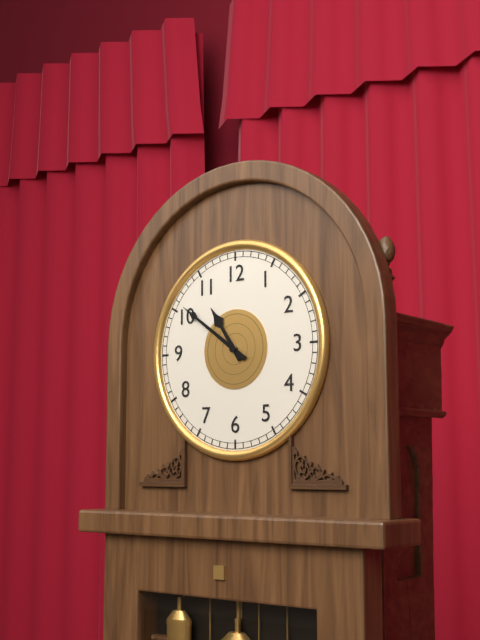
10,51
